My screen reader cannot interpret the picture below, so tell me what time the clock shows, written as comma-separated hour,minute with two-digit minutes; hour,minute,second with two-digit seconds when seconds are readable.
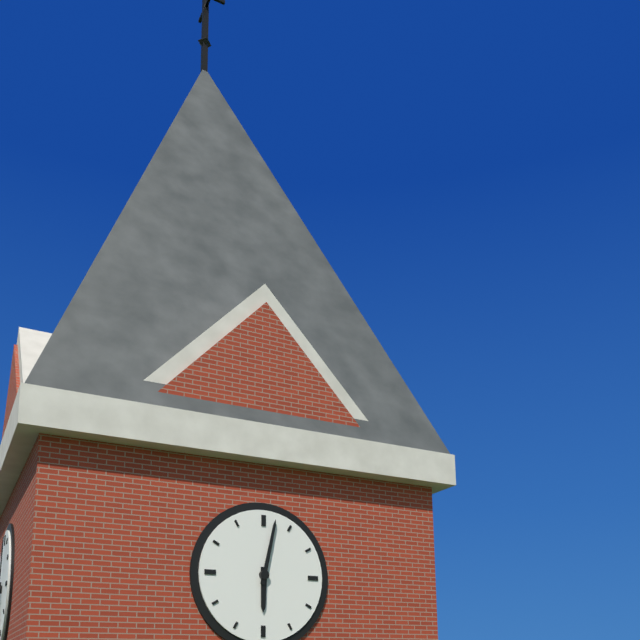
6,02
